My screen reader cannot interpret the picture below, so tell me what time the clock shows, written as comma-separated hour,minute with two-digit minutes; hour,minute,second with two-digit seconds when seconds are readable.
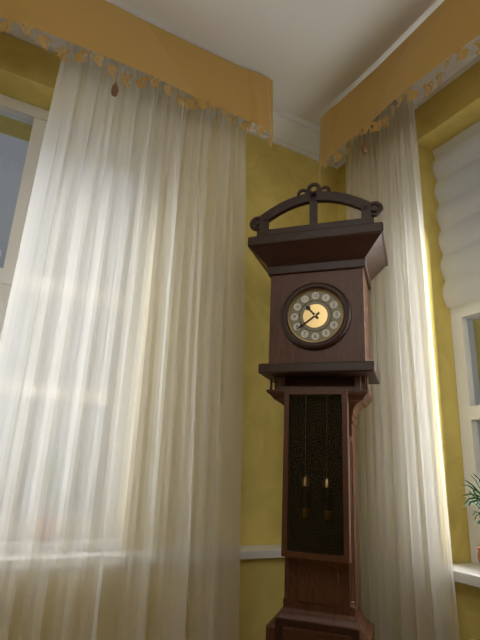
10,39
